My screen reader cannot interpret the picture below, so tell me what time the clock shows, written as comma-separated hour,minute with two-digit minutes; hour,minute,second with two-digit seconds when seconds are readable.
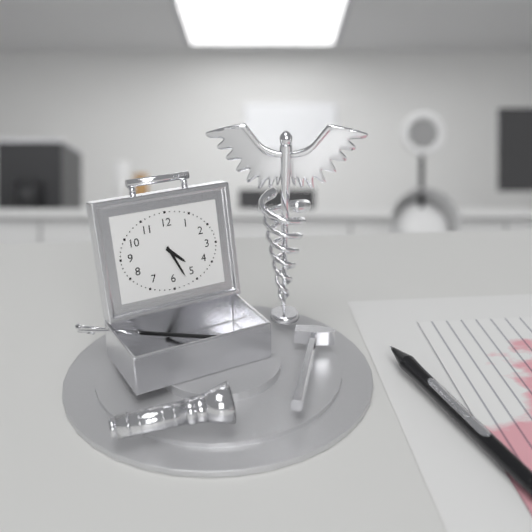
4,26
